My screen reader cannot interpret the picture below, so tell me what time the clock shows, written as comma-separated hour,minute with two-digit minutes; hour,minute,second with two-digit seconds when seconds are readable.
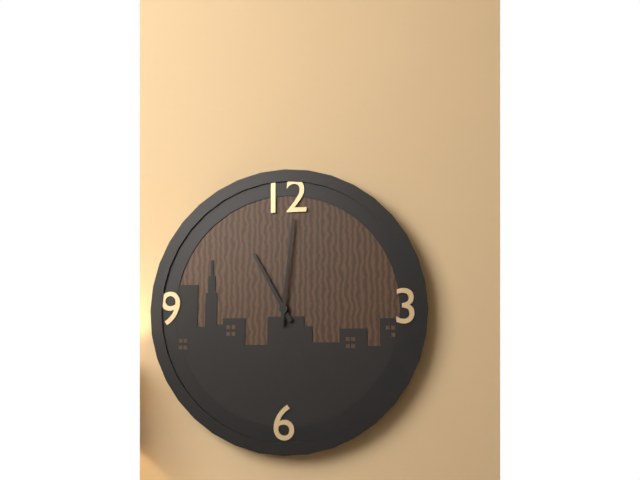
11,01
